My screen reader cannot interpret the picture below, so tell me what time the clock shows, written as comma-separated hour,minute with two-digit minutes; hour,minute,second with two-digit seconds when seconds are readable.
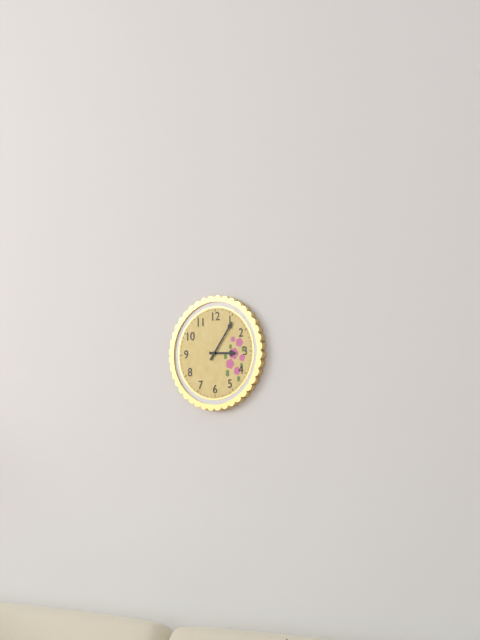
3,06
